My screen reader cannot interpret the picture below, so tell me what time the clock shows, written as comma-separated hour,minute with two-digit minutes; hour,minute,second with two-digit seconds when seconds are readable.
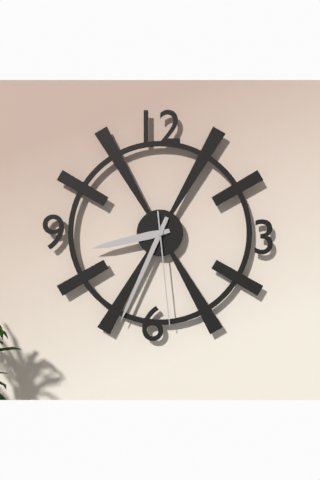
8,34,29
